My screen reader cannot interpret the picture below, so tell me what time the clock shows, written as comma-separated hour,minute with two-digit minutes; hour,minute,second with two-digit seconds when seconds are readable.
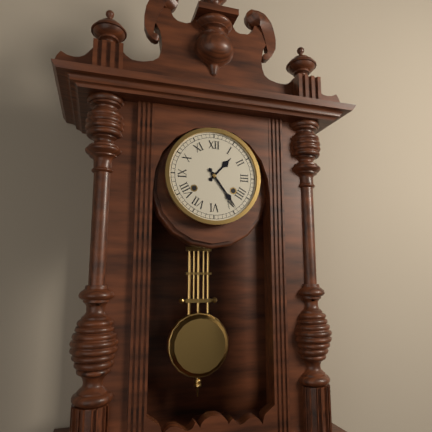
1,24
